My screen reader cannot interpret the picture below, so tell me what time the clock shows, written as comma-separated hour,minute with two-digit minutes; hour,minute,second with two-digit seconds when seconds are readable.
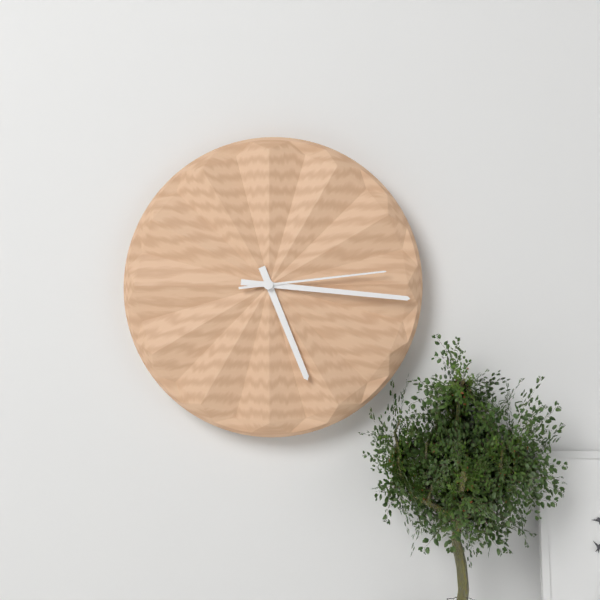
5,16,14
